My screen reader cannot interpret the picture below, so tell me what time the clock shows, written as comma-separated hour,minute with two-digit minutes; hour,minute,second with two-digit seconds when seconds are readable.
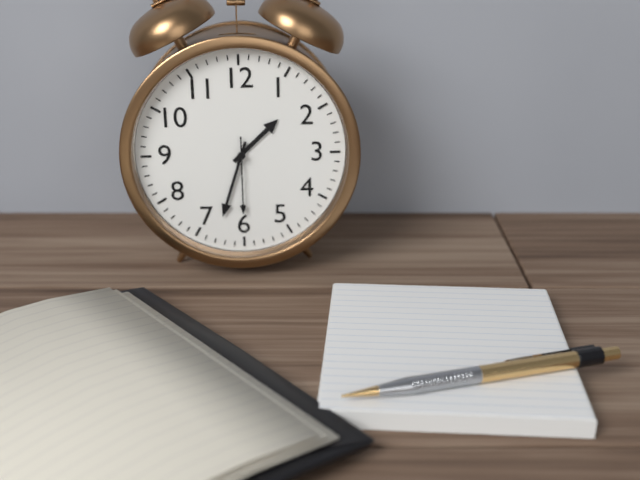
1,33,30
